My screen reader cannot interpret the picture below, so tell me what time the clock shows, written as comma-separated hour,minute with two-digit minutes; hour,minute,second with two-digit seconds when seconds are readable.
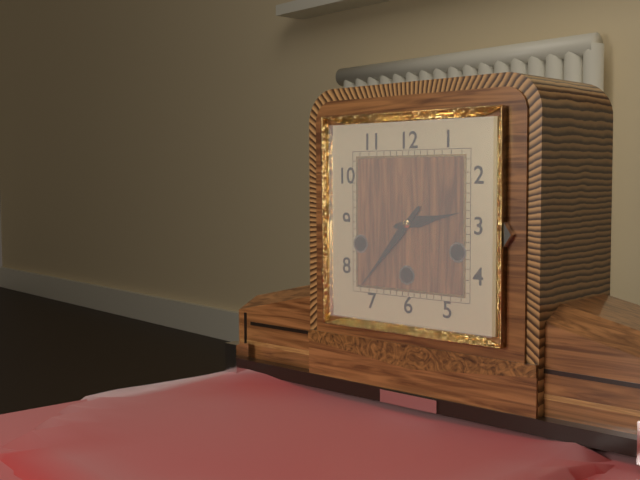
2,37
